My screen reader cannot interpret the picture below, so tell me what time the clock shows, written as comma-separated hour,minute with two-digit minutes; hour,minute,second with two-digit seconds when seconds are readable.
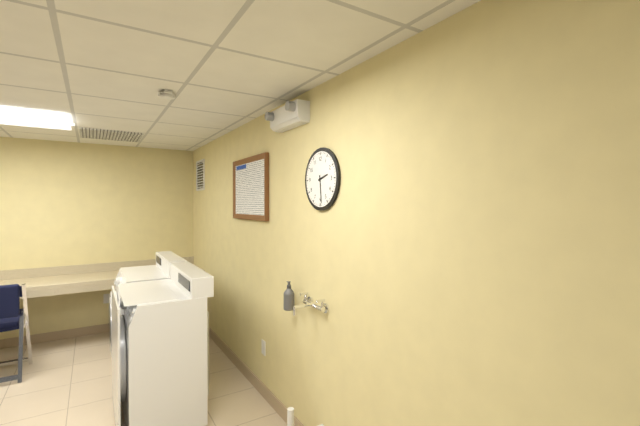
2,29
